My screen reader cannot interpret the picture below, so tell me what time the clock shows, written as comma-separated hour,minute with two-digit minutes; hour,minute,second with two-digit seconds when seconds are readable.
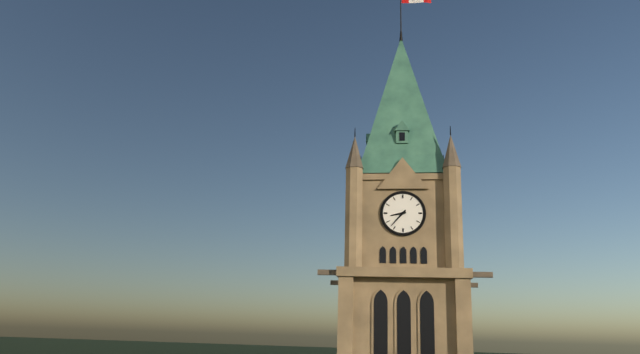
8,37
